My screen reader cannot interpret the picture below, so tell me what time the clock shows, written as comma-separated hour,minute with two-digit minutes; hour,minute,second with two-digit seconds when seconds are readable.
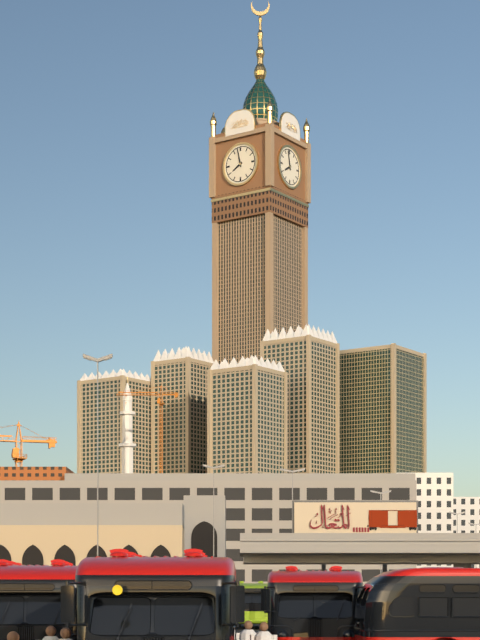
7,58
